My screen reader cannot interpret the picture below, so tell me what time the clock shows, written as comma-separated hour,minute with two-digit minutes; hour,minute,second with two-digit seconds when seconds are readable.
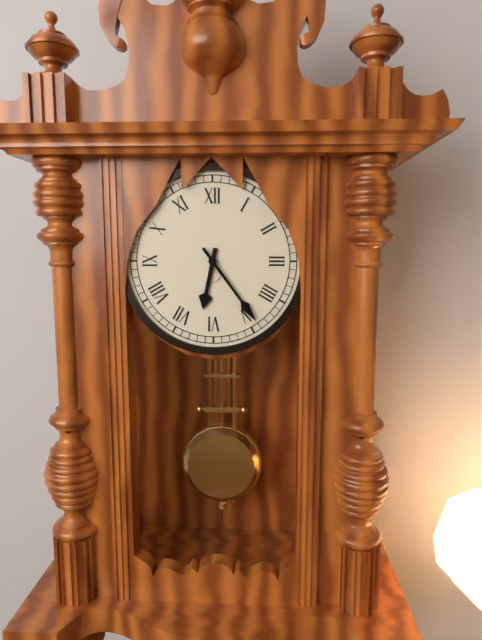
6,24
